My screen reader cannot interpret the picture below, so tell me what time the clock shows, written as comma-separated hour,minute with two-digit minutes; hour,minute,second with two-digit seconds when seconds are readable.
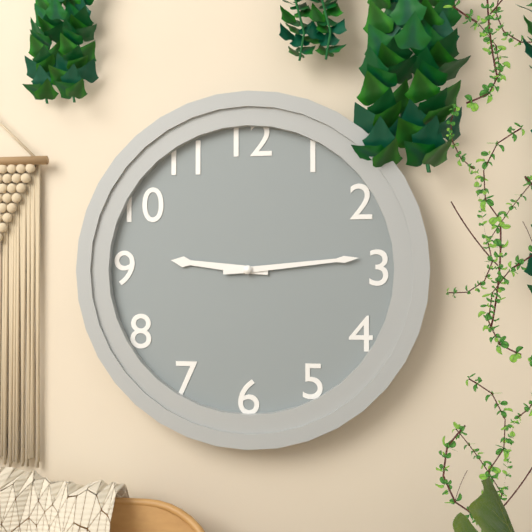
9,14
